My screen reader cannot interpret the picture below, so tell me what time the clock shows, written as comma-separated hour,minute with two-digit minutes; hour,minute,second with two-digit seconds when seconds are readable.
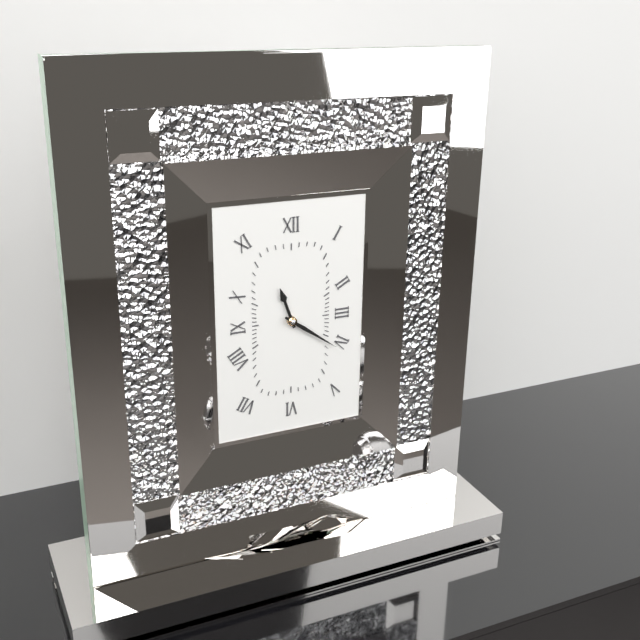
11,21
